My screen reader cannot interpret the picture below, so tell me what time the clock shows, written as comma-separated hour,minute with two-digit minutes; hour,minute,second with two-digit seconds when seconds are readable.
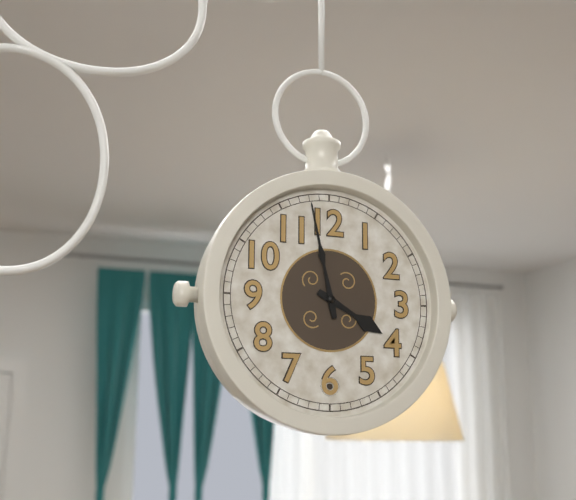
3,58
